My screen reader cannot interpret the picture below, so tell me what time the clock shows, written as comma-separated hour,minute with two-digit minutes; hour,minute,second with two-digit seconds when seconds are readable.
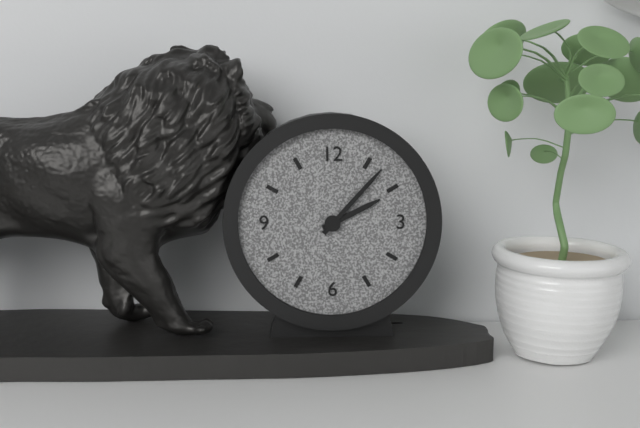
2,07
